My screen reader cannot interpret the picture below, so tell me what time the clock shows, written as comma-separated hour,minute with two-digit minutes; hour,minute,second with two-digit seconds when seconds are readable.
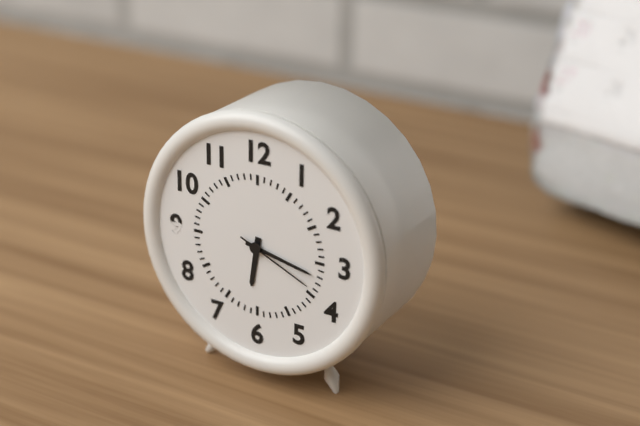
6,17,19
